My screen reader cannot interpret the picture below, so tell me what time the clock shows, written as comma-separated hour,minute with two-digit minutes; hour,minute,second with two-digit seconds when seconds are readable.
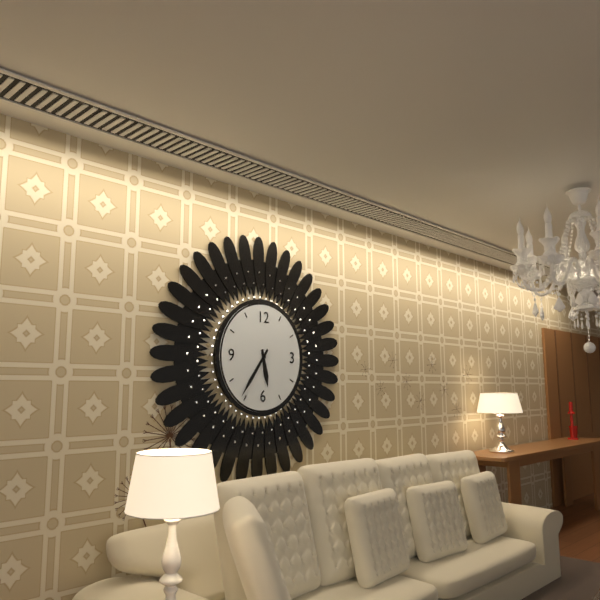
5,36
